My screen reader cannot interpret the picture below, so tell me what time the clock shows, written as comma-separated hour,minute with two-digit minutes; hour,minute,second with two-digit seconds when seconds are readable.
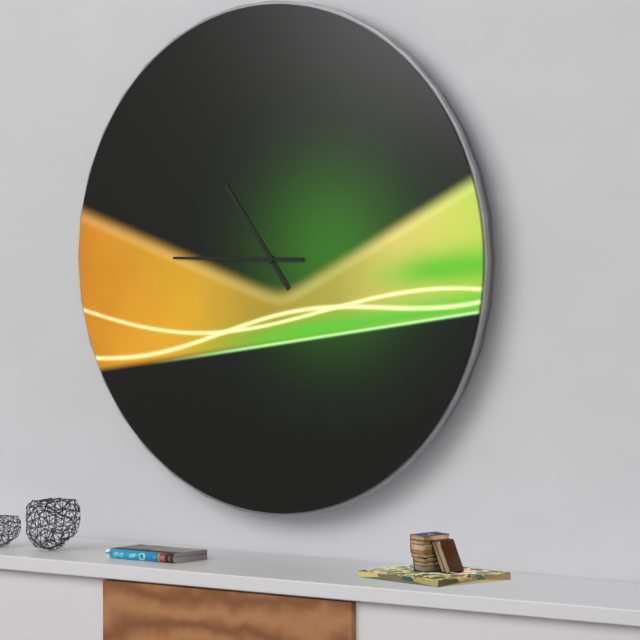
10,45
